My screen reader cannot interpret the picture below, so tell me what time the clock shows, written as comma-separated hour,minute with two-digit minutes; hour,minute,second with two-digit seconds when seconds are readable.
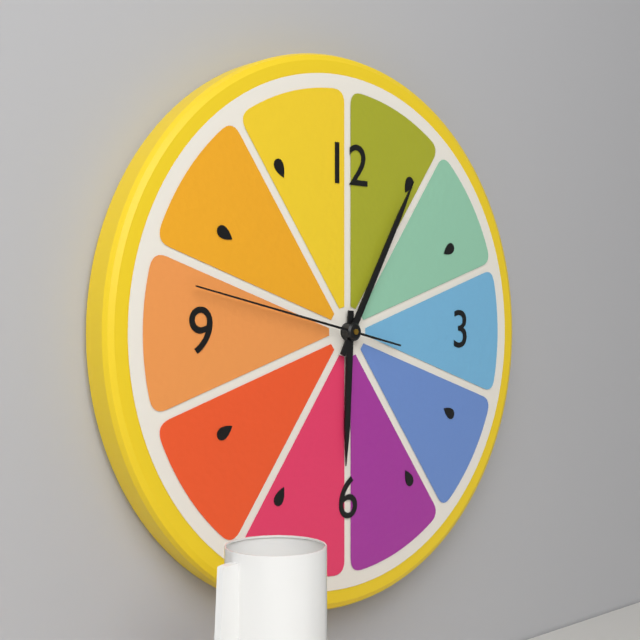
6,05,47
